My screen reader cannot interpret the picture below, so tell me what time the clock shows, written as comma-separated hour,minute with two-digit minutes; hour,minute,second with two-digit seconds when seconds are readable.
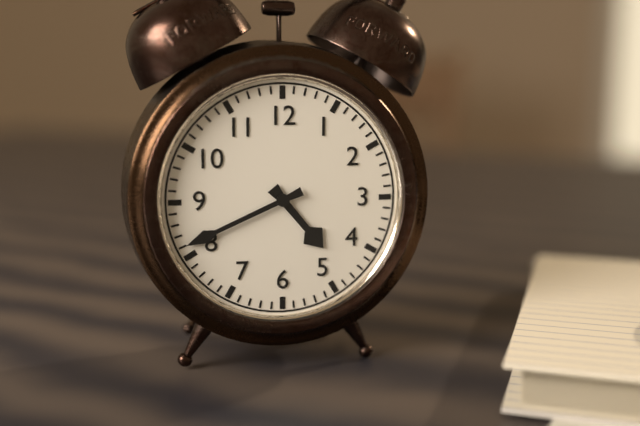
4,41
